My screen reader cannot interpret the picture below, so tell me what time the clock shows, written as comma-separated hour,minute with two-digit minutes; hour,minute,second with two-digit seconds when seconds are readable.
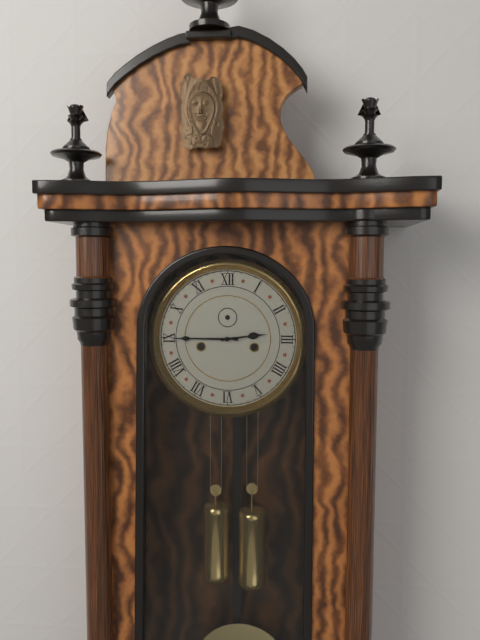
2,45
